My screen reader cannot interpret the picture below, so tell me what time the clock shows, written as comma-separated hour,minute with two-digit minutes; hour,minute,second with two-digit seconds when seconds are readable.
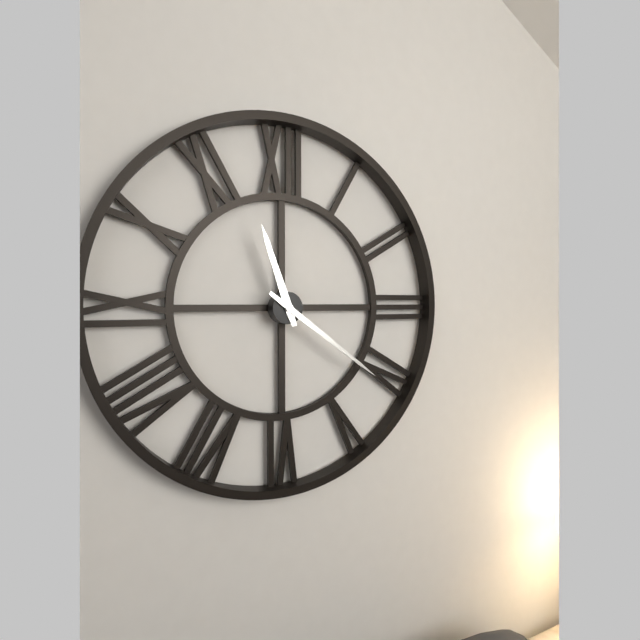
11,21
